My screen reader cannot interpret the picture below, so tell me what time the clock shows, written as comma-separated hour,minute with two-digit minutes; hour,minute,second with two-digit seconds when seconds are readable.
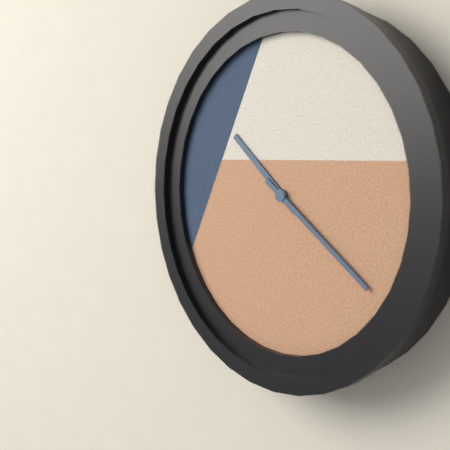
10,21
